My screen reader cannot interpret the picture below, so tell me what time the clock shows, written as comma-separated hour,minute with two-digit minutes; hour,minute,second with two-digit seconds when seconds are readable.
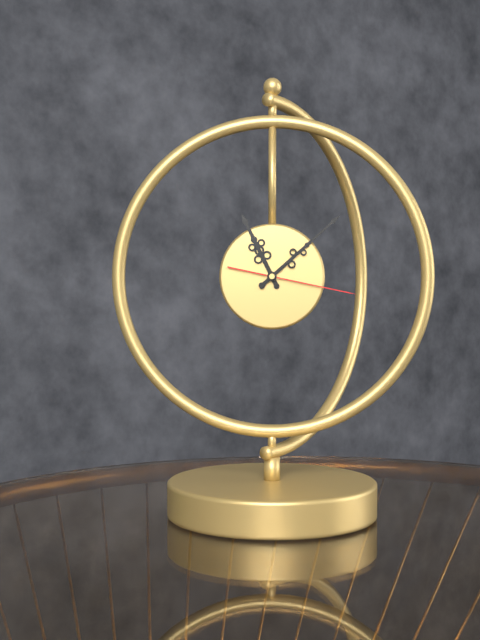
11,08,17
